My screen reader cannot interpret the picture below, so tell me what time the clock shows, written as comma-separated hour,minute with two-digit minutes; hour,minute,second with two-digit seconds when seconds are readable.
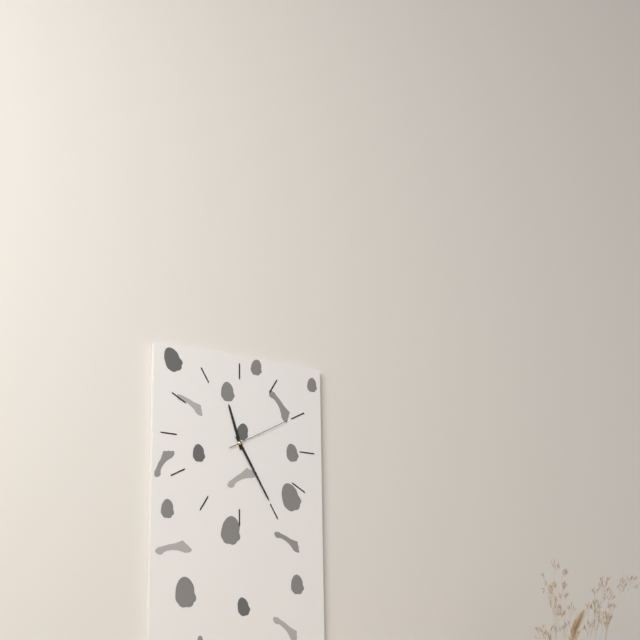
11,25,10
